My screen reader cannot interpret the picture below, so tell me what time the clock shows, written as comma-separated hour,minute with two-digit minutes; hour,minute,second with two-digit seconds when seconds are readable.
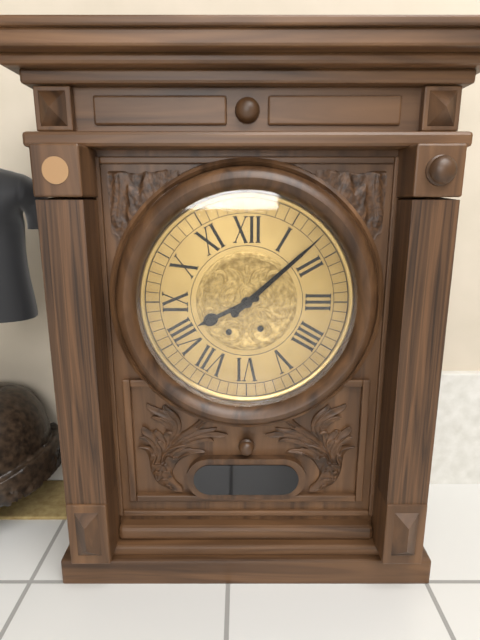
8,08
